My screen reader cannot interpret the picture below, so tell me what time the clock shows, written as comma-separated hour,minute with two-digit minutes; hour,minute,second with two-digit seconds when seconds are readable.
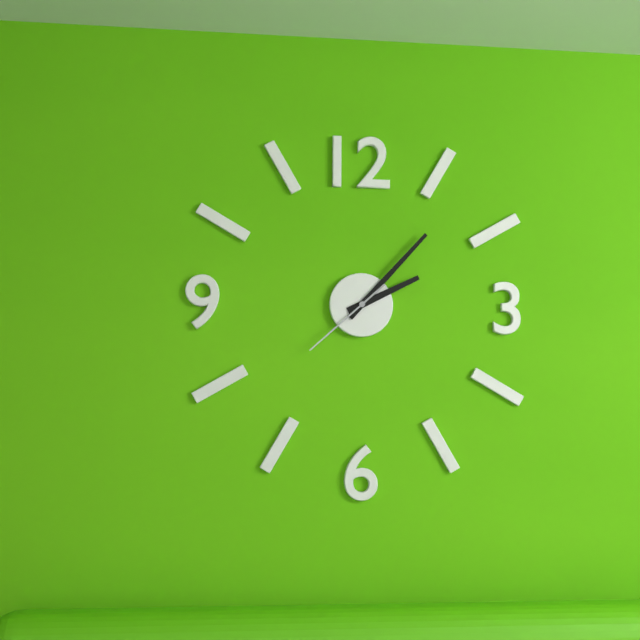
2,07,38
